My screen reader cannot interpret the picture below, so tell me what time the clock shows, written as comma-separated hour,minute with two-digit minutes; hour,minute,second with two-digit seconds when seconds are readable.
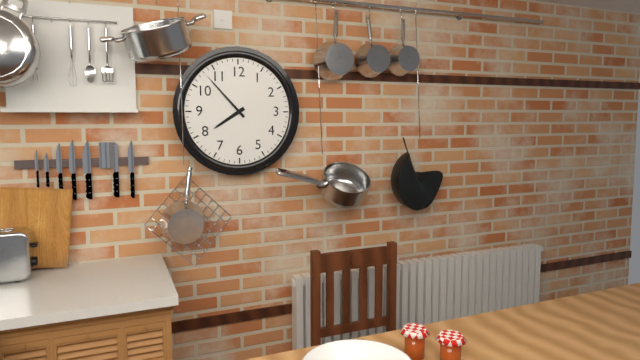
7,53
